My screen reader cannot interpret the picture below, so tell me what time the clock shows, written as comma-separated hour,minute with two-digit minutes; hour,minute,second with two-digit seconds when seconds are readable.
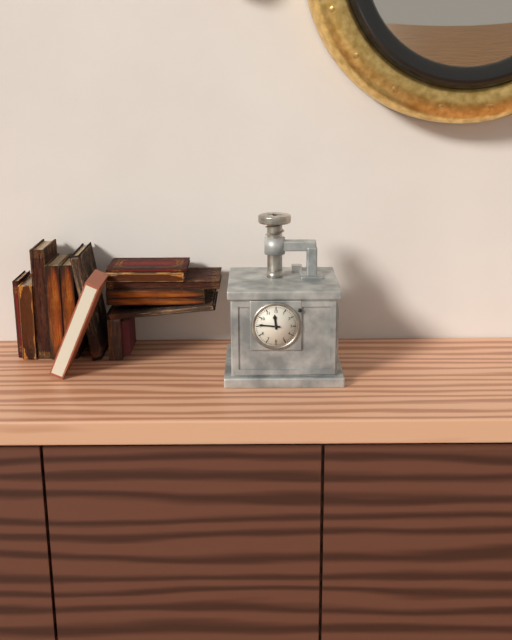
11,46
